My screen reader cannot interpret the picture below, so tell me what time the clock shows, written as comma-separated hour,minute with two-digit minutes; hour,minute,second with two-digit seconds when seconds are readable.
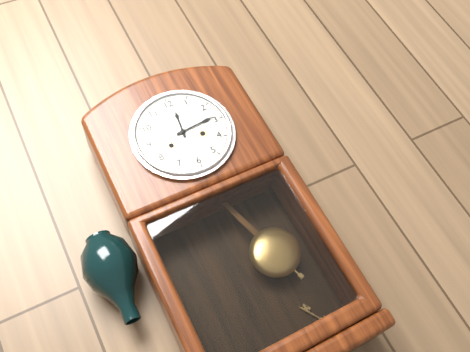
12,14
